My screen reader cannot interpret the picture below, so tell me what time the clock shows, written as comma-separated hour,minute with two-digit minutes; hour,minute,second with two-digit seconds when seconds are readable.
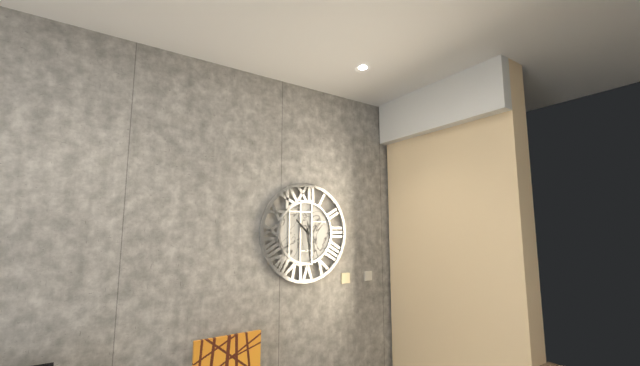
10,29
